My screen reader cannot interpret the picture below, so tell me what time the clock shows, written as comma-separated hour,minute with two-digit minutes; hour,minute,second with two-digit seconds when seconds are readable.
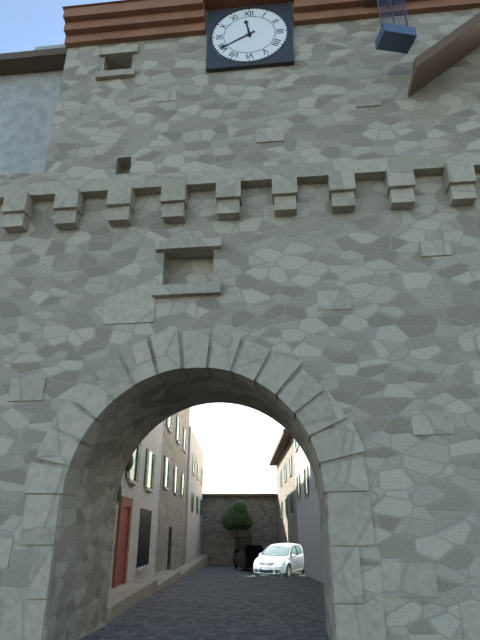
11,40
